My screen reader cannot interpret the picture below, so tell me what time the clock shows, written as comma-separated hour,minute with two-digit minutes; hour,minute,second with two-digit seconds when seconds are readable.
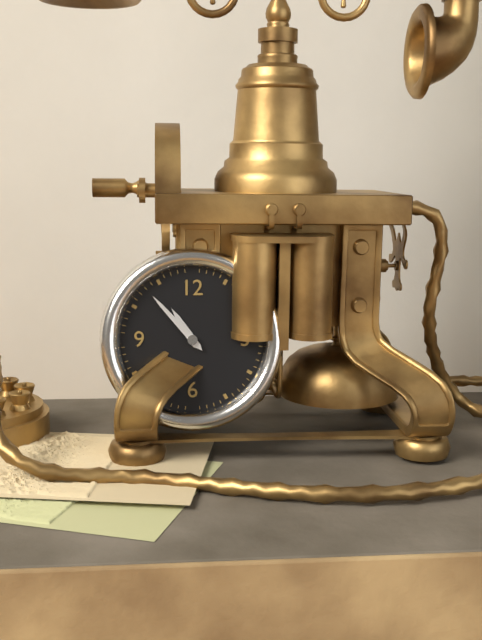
10,53
